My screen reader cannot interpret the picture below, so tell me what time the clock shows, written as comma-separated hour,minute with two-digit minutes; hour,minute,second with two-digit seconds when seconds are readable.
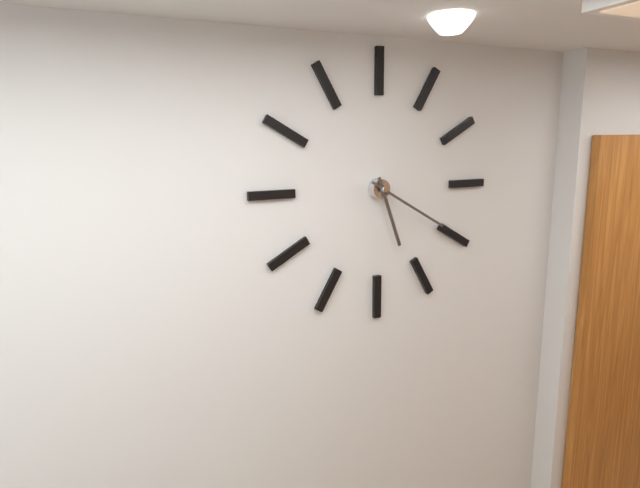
5,20
